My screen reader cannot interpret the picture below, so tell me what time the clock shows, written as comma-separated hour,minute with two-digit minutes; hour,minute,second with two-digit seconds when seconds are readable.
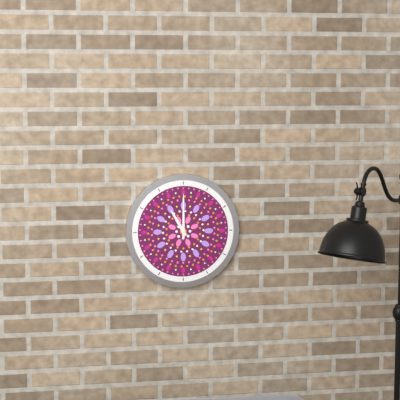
11,00
